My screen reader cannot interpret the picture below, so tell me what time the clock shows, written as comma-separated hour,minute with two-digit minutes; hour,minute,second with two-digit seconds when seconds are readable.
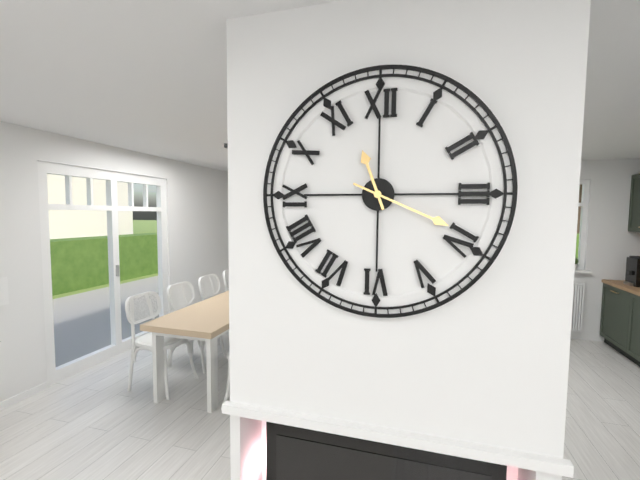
11,19
